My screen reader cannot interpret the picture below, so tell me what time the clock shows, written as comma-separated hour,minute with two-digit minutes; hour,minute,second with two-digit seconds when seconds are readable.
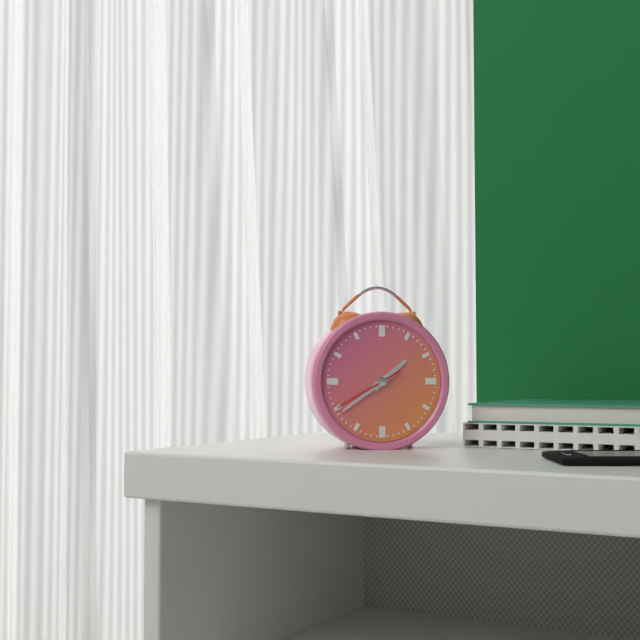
1,39,40
